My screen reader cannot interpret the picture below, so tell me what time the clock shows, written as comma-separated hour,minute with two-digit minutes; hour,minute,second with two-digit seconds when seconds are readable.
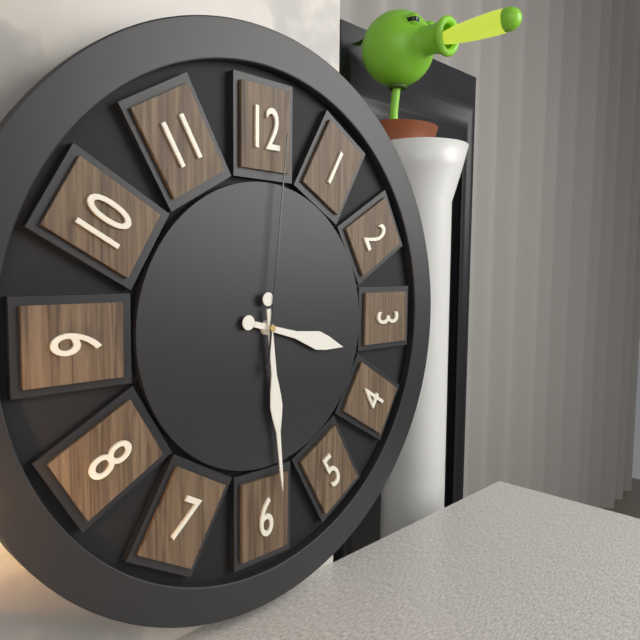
3,29,01
